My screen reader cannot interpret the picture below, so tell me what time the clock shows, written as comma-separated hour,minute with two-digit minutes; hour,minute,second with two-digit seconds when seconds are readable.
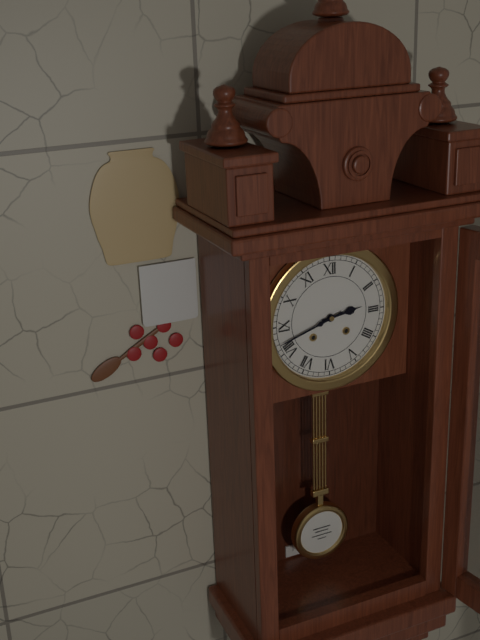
2,42
